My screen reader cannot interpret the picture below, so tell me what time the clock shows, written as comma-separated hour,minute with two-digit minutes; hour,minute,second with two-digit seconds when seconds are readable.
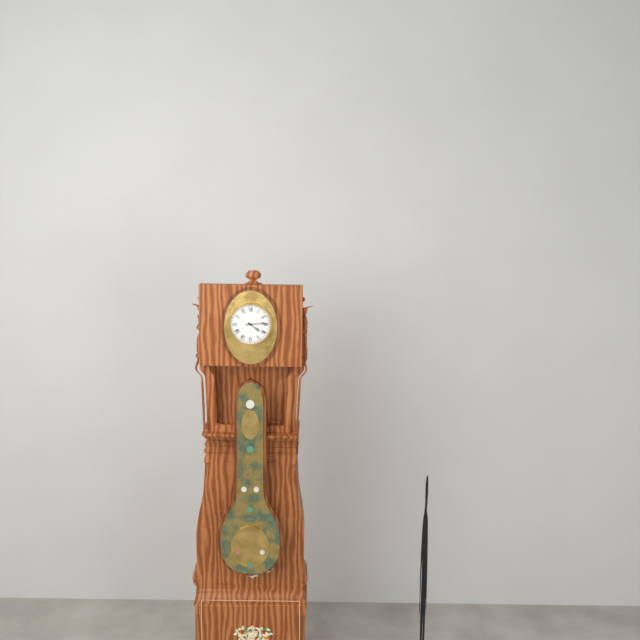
4,14
